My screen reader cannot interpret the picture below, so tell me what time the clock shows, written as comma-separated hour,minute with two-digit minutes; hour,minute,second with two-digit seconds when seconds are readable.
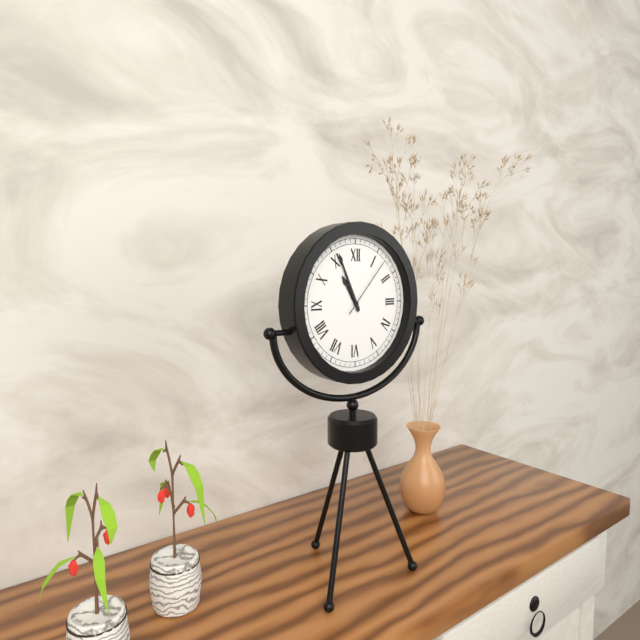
10,56,07
